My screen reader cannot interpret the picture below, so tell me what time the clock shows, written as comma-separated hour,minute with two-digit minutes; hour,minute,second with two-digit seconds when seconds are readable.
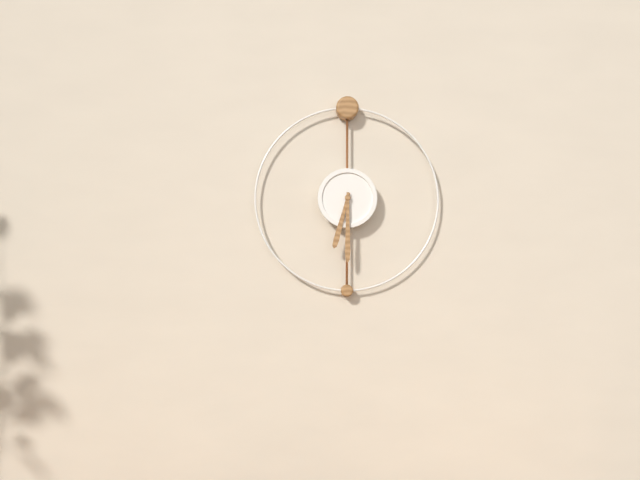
6,30
